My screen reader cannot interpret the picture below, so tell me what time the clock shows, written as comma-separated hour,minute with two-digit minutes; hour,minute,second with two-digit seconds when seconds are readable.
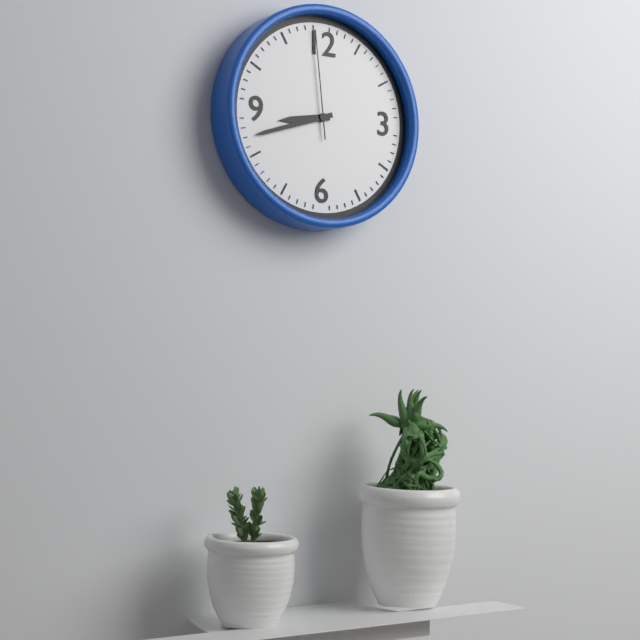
8,42,59
